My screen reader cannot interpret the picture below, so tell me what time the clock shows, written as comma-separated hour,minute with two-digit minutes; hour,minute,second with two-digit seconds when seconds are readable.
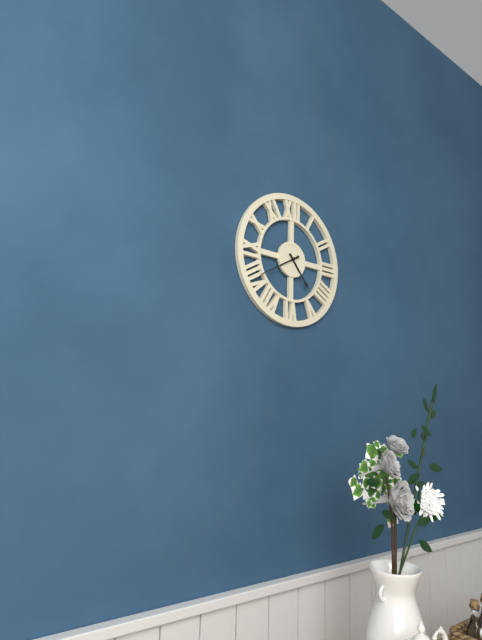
4,40
